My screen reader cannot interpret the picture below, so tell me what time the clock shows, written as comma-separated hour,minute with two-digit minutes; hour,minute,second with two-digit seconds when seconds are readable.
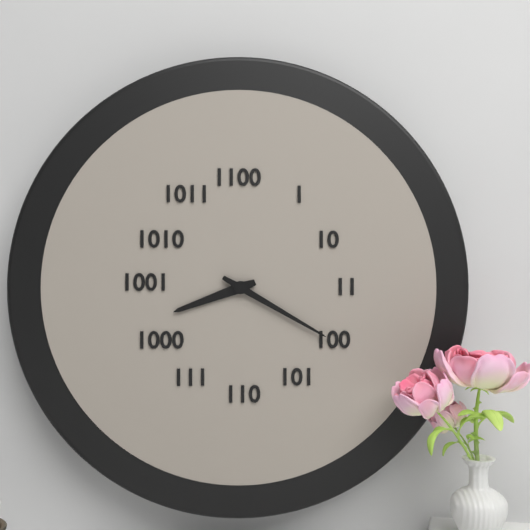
8,20
